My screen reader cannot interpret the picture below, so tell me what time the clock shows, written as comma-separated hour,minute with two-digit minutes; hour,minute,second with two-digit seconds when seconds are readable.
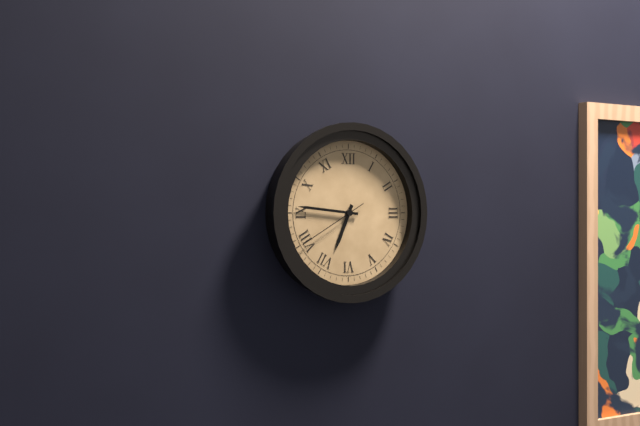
6,46,40
